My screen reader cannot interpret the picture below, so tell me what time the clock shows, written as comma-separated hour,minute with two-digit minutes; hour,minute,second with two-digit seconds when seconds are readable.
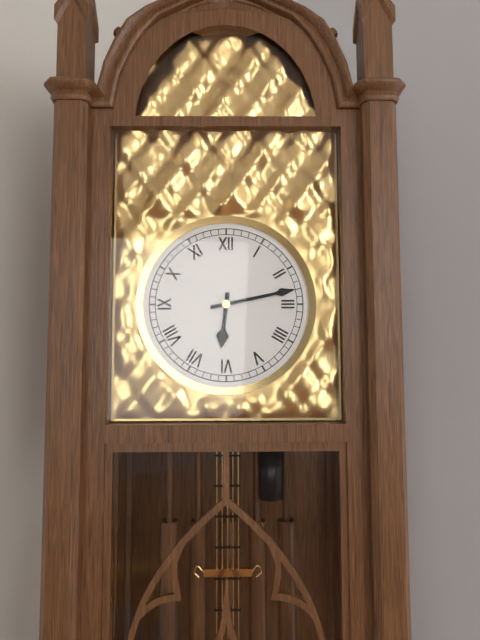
6,13
